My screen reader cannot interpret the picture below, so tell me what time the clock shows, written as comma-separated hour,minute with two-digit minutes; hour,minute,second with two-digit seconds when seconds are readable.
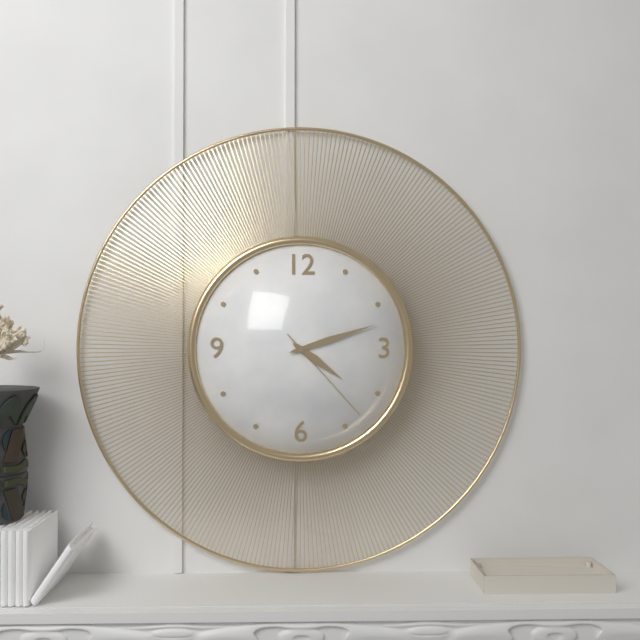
4,12,23
